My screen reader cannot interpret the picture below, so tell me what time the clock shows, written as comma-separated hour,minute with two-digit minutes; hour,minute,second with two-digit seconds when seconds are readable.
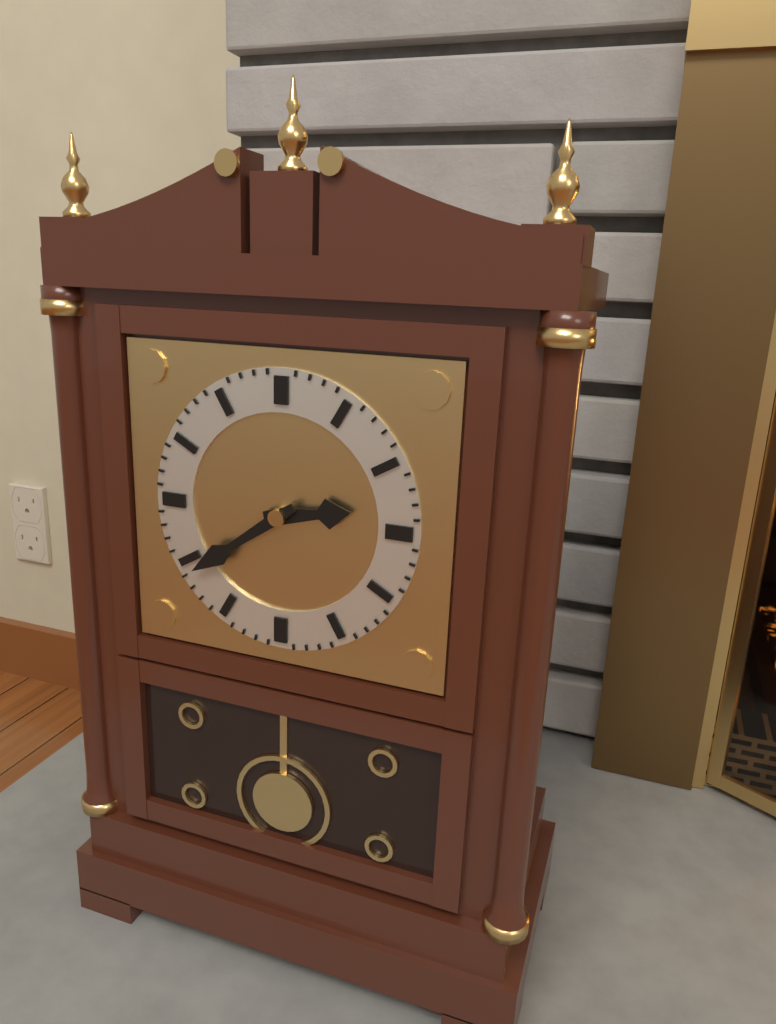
2,39
